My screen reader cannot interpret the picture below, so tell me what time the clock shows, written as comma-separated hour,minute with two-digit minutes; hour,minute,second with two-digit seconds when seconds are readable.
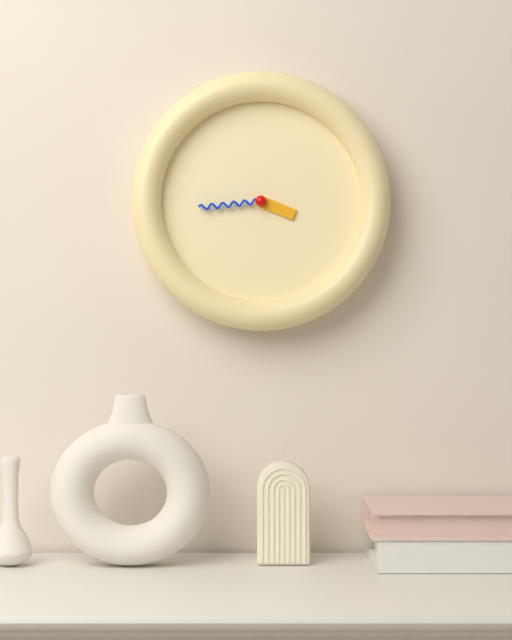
3,44
